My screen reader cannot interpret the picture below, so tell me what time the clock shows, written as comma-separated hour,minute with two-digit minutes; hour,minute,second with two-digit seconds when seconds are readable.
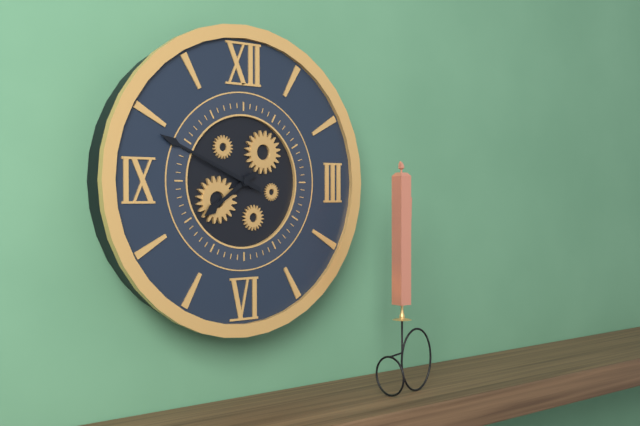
7,49
